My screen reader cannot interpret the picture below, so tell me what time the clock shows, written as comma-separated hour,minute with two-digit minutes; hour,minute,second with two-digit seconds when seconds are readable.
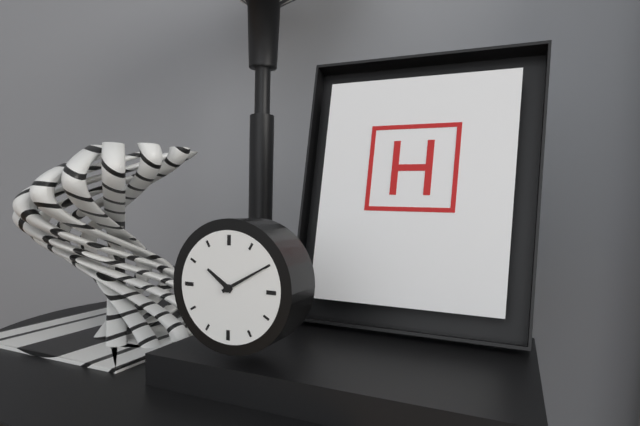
10,10
